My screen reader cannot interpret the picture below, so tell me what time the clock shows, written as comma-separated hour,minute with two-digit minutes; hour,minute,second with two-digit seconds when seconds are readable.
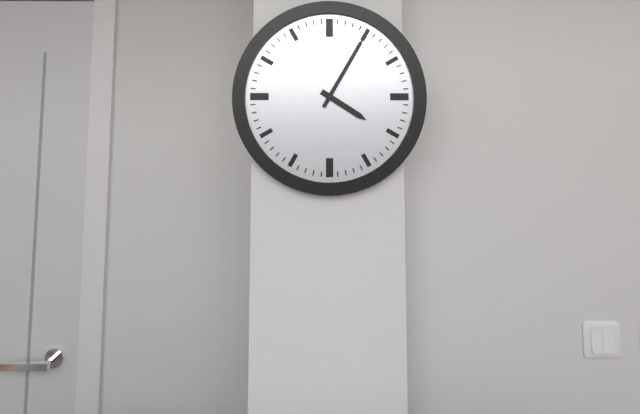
4,05
